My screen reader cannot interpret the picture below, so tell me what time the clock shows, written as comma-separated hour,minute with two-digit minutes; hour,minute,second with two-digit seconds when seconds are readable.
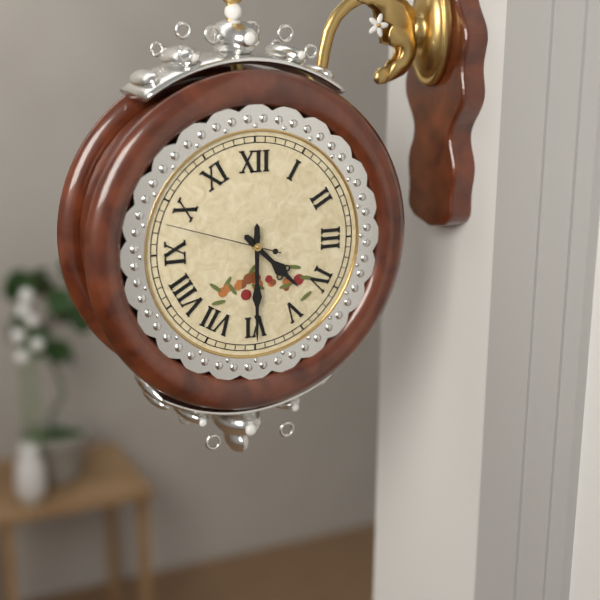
4,30,48
